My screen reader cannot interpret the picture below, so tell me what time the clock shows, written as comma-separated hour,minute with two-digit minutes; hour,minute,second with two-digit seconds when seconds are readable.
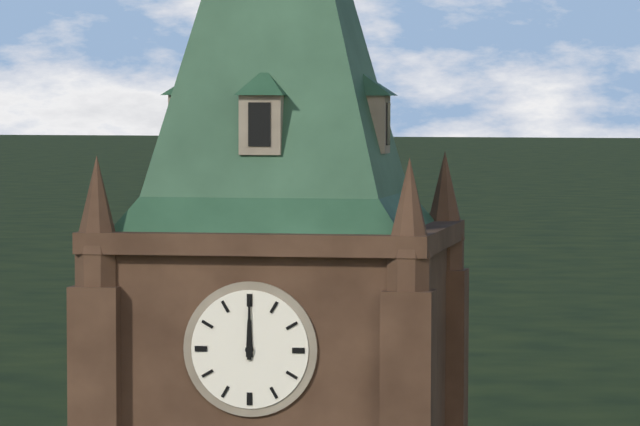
12,00
